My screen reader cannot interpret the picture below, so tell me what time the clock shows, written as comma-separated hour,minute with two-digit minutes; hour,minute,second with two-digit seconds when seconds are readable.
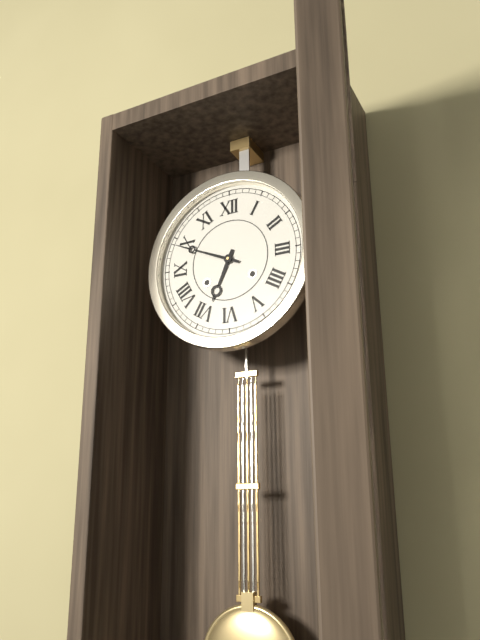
6,49
